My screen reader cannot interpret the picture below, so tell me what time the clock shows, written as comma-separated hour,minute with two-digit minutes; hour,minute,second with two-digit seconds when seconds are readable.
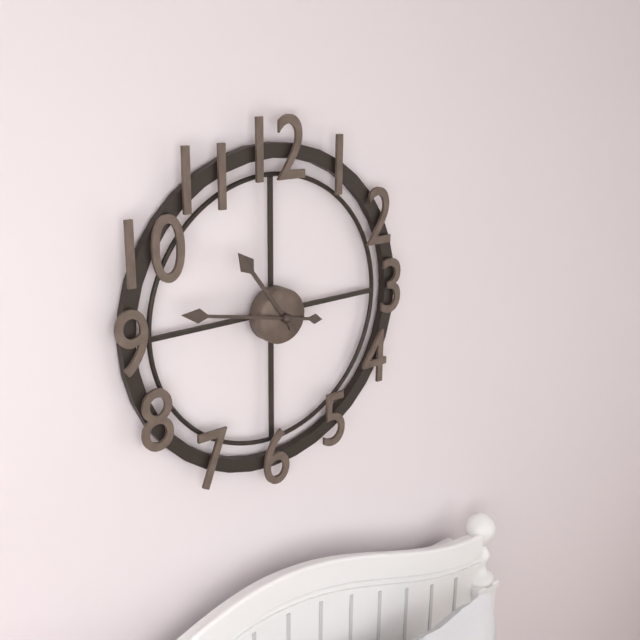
10,47
